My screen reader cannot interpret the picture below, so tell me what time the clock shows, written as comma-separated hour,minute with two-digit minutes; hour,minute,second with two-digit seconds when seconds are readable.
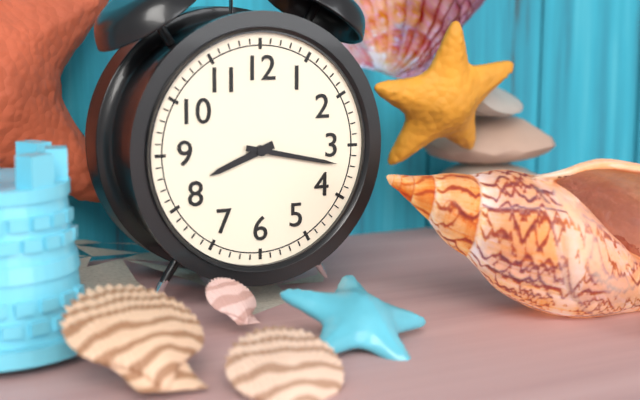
8,17
